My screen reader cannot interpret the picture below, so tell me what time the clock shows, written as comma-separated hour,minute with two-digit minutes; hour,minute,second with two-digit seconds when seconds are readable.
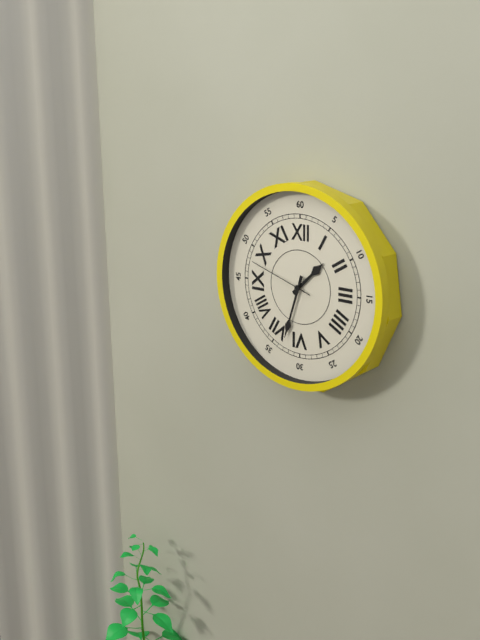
1,33,48
